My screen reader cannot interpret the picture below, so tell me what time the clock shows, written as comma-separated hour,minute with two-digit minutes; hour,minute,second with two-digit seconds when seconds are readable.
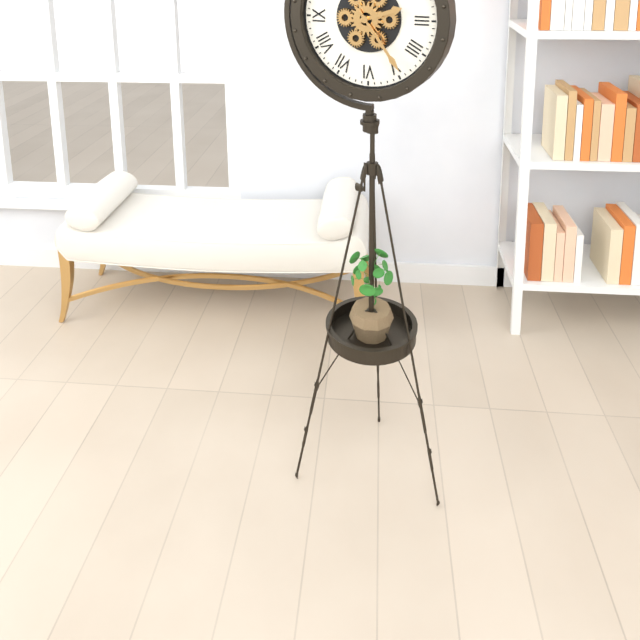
2,24
